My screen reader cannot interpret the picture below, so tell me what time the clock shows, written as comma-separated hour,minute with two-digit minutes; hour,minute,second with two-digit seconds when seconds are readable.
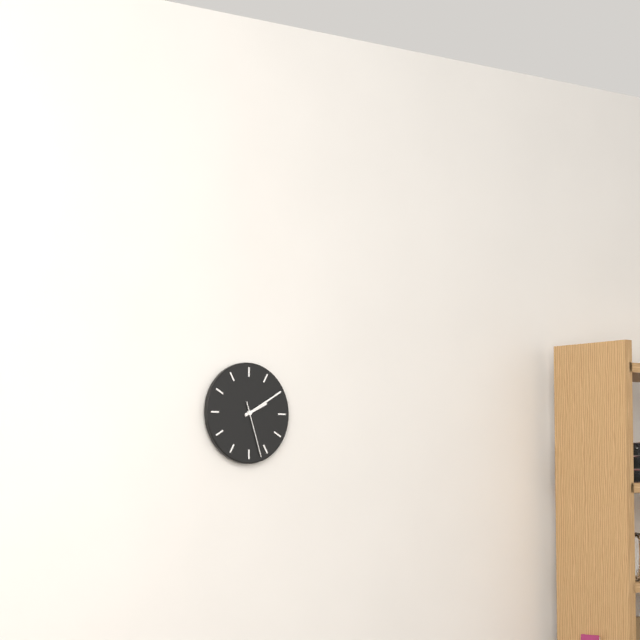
2,10,27
